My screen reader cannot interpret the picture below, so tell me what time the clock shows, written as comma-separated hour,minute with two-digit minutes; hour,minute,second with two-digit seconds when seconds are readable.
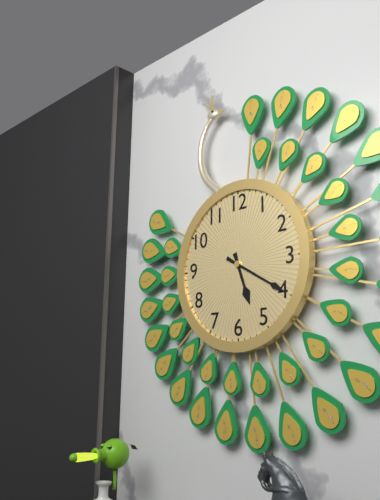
5,20
